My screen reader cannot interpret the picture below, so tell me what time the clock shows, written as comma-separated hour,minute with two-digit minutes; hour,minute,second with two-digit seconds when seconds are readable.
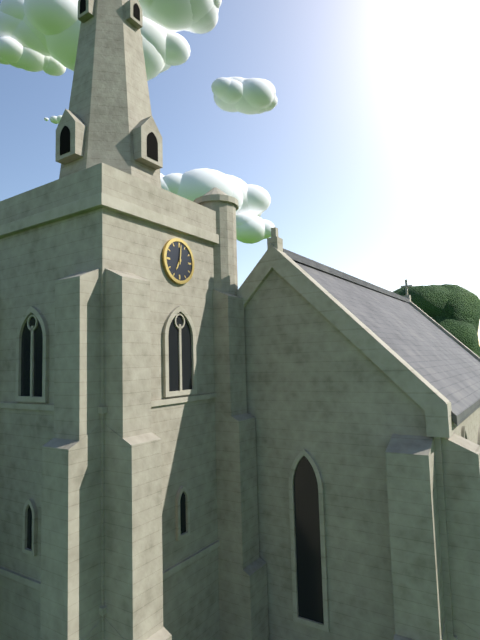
7,01
